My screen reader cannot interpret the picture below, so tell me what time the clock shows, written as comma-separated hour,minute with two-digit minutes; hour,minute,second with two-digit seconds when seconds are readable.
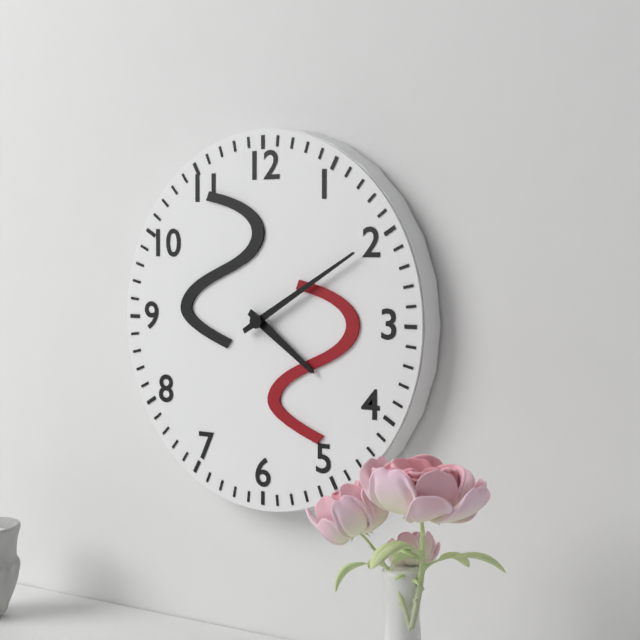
4,10
